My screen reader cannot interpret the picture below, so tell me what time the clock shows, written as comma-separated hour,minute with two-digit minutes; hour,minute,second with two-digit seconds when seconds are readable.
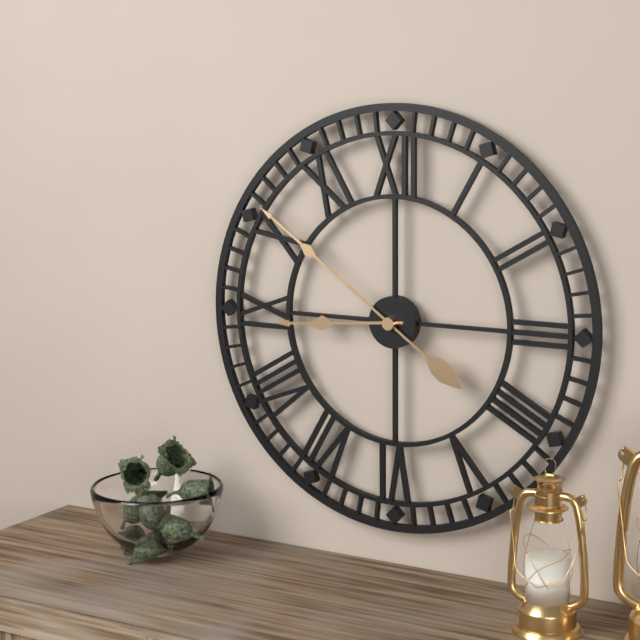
8,51
